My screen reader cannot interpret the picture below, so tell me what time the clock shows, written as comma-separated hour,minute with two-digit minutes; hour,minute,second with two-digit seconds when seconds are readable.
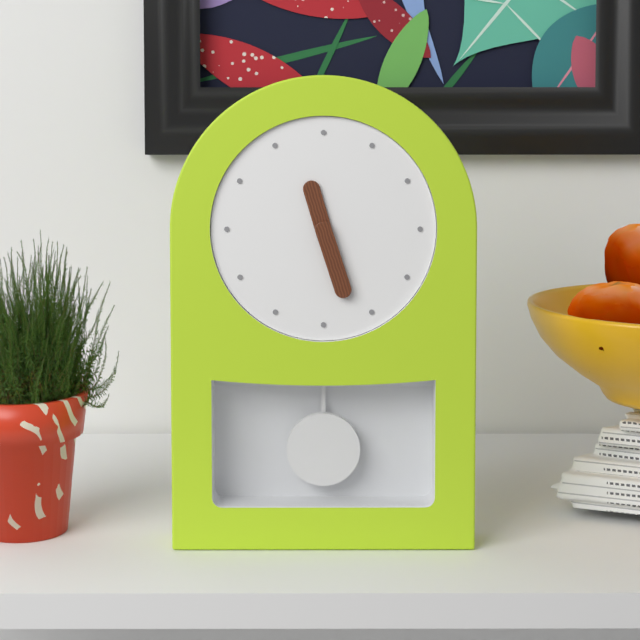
11,27
